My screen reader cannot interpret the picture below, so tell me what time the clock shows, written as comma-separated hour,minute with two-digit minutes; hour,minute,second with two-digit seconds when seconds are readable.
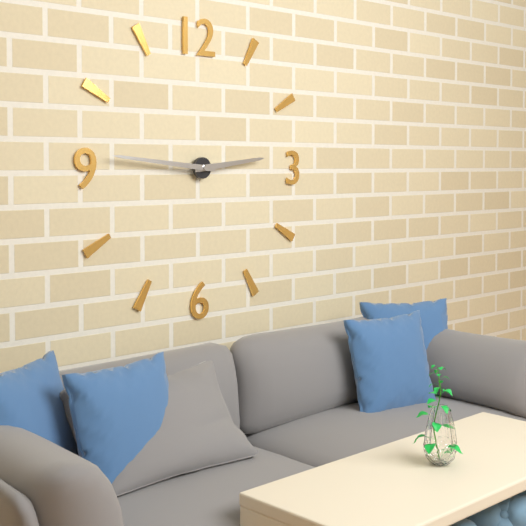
2,46
